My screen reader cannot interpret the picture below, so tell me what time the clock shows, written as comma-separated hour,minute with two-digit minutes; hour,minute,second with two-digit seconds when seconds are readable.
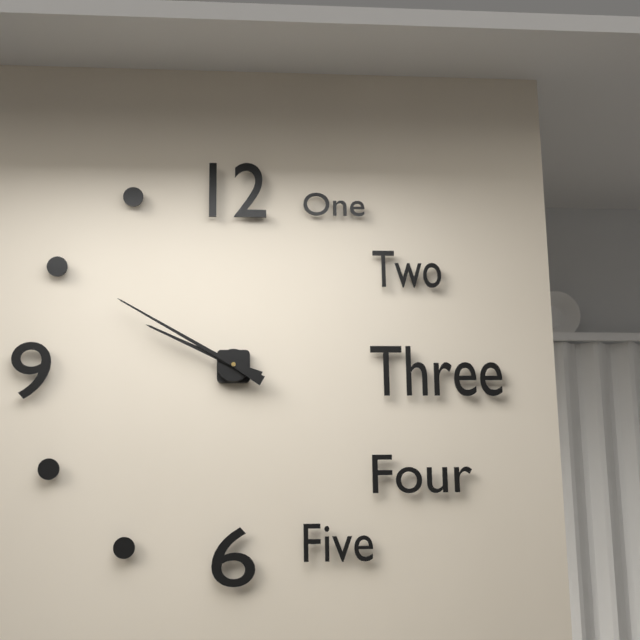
9,50
